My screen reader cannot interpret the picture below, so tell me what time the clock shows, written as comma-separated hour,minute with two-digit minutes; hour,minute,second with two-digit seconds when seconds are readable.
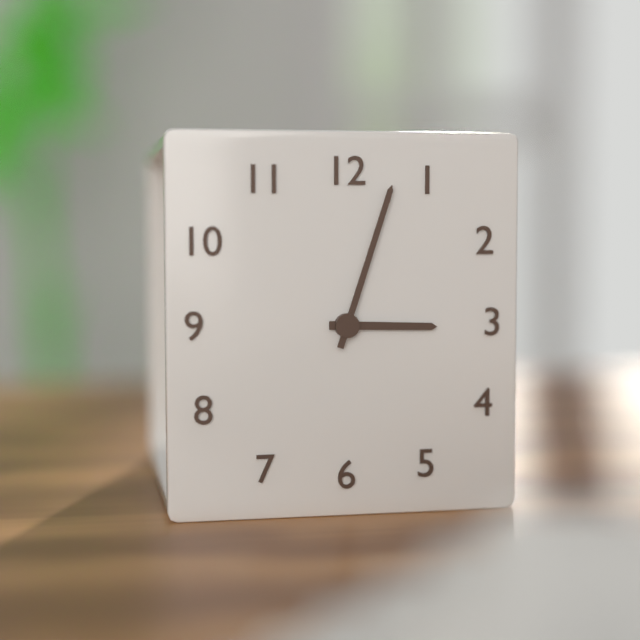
3,03
